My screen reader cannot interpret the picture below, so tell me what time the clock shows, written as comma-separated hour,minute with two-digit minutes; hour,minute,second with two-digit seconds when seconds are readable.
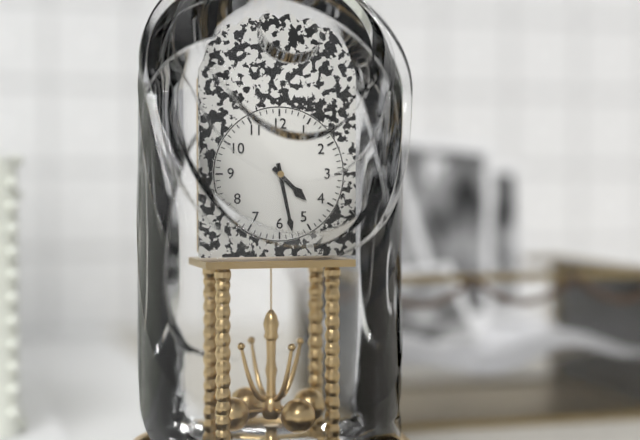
4,28
